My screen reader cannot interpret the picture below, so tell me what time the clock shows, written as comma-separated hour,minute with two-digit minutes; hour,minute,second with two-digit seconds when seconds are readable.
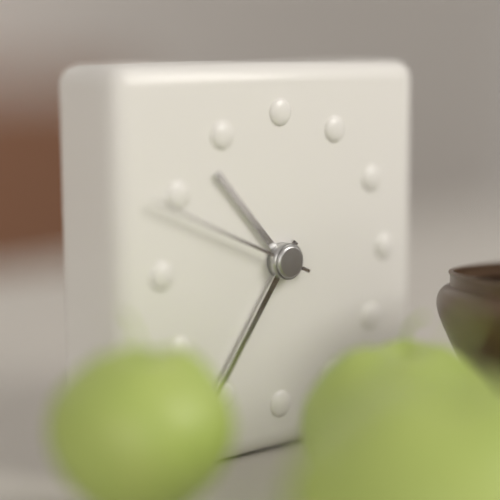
10,36,49
